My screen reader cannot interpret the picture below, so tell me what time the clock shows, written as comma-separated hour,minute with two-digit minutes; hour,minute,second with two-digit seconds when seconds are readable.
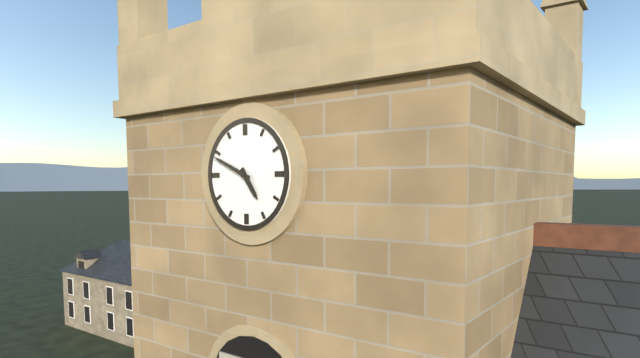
4,49
